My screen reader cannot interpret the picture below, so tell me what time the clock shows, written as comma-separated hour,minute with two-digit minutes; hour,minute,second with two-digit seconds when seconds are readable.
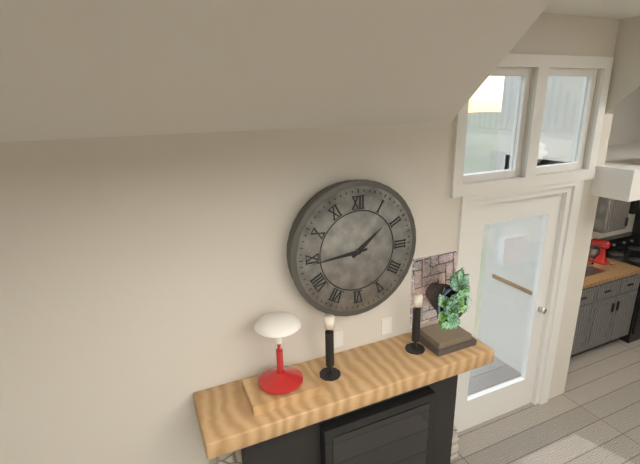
1,44
